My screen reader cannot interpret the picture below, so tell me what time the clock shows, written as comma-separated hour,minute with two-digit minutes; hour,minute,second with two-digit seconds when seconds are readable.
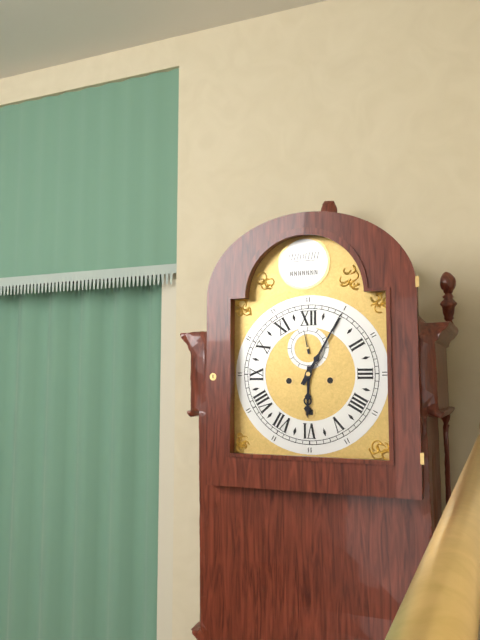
6,05
